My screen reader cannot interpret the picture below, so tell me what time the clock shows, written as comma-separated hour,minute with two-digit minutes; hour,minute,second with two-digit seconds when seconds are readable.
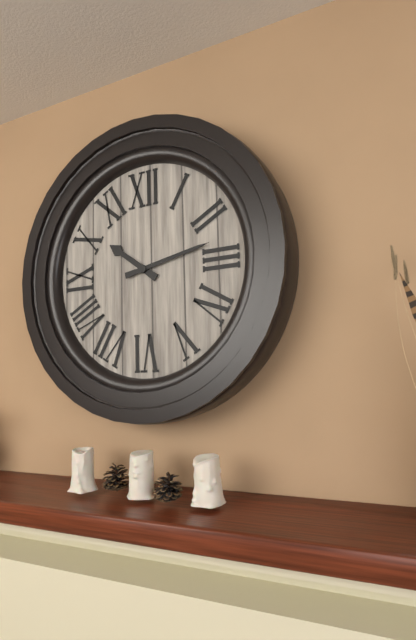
10,13
